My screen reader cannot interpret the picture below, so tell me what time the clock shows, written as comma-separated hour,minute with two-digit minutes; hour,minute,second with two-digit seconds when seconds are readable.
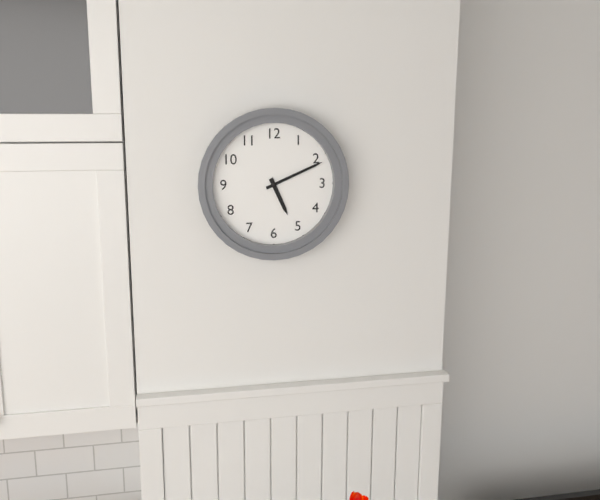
5,11
